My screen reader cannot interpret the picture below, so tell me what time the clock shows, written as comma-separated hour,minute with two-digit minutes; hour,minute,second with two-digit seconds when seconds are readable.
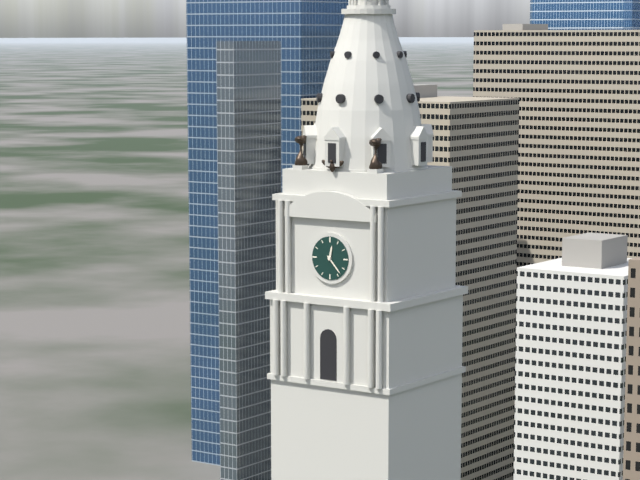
12,23
